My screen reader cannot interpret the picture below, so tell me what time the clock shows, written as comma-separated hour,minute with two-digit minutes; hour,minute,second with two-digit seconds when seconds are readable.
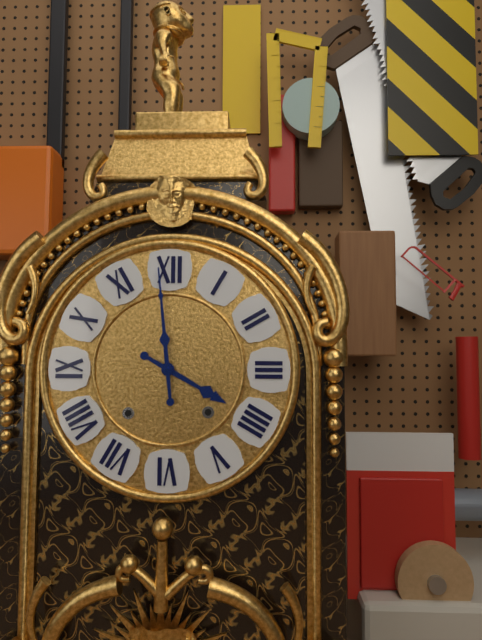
3,59
